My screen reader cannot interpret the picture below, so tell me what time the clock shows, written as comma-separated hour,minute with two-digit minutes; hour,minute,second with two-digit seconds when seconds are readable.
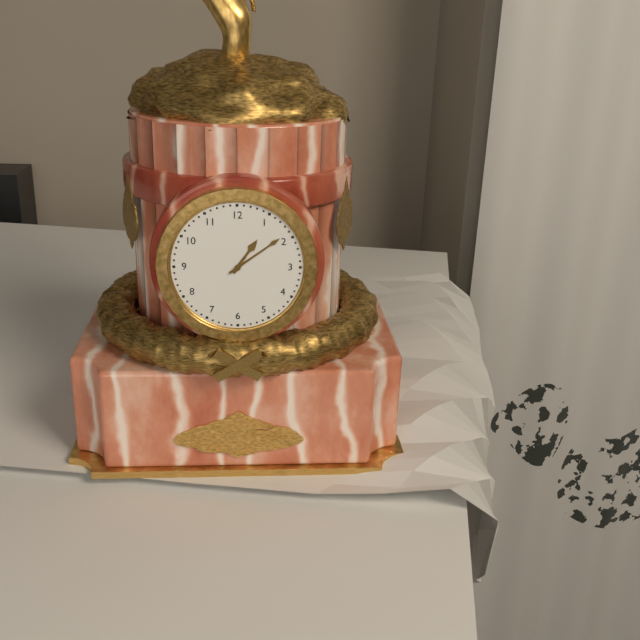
1,09
